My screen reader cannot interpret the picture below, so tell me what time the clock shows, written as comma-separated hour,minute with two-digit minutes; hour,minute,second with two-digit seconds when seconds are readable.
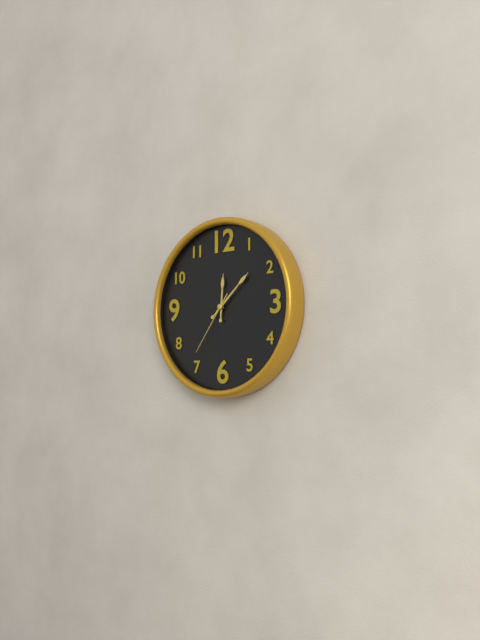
12,08,36
